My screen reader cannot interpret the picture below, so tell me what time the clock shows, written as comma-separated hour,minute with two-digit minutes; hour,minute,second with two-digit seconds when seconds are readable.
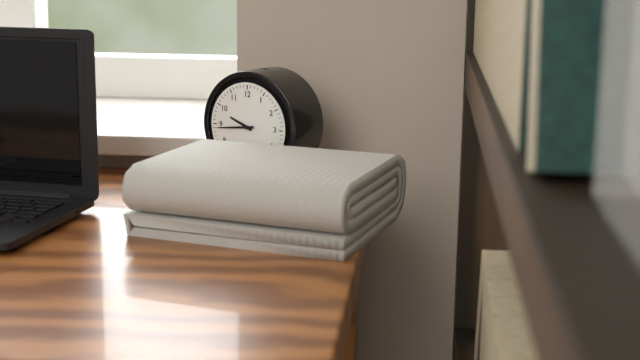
9,44
